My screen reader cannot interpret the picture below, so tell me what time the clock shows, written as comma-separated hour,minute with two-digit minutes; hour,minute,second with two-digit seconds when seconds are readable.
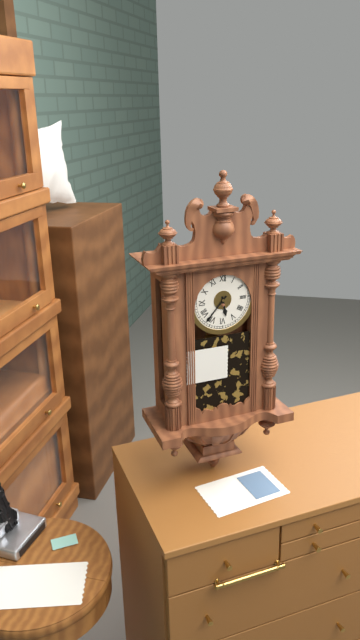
5,37
